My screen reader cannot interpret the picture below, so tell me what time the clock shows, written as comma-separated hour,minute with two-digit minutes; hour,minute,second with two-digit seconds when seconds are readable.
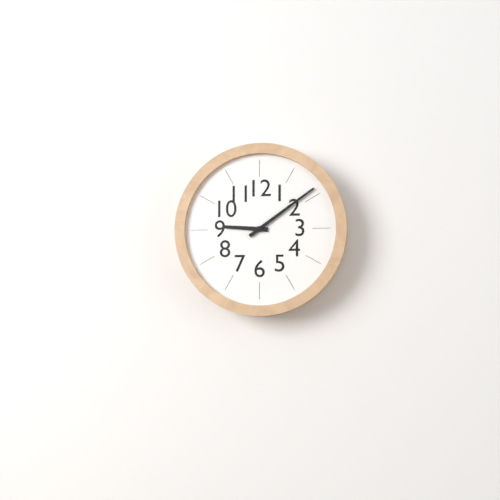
9,09
